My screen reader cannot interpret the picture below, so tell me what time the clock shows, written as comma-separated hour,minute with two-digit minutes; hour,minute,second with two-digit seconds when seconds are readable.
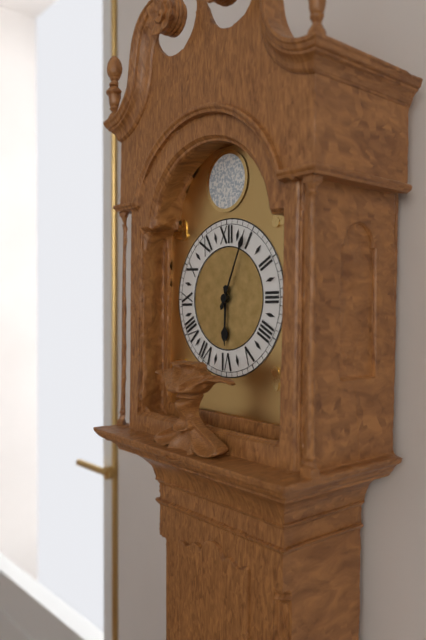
6,04
